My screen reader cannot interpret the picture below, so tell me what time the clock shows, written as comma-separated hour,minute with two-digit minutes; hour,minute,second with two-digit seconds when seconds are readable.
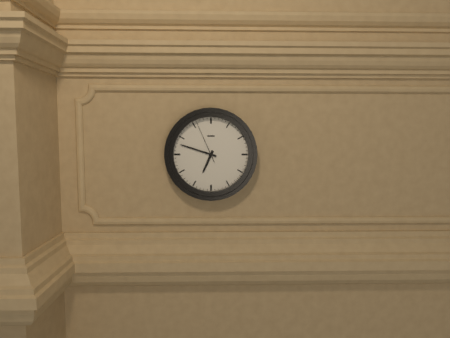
6,48
